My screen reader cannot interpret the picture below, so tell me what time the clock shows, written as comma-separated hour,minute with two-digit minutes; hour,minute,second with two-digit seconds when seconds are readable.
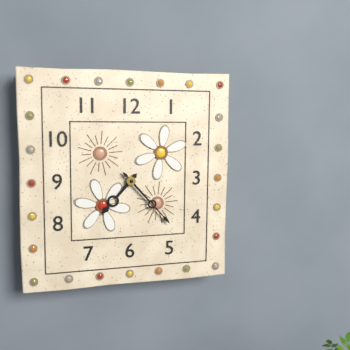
7,23
